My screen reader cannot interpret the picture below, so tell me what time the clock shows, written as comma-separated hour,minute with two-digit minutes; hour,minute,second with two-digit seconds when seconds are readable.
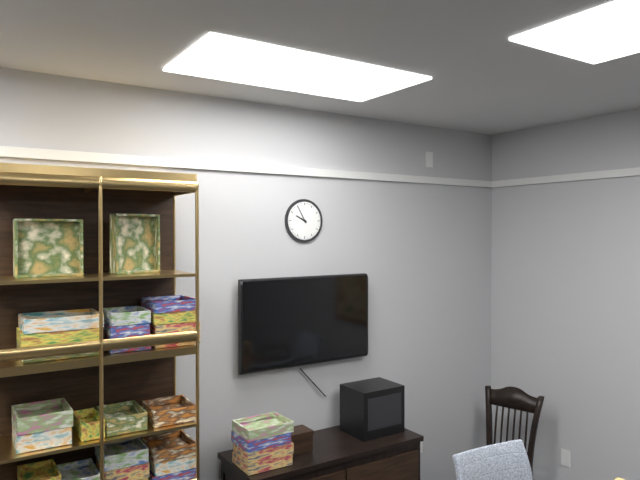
9,55
